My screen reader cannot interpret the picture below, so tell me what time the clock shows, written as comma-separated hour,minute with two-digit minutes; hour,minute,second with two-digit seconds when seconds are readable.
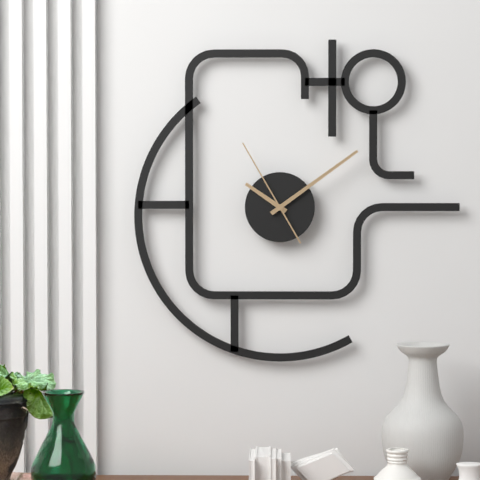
10,09,55
